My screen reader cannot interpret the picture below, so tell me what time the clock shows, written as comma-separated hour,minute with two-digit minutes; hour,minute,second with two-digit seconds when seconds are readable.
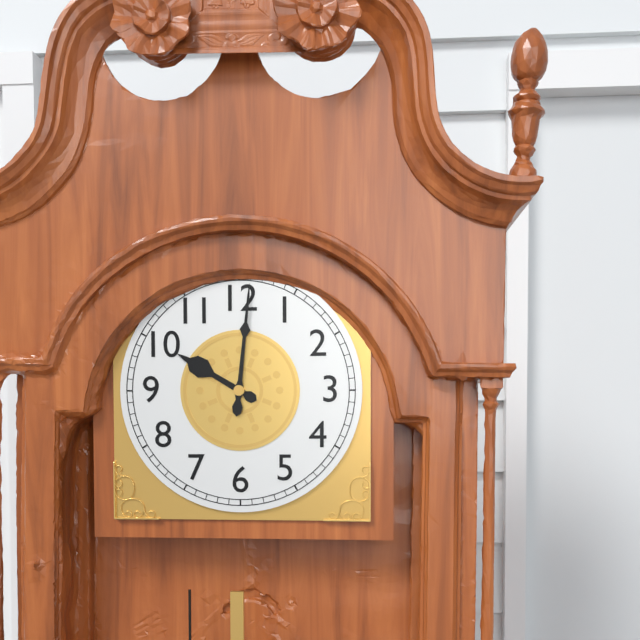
10,01
